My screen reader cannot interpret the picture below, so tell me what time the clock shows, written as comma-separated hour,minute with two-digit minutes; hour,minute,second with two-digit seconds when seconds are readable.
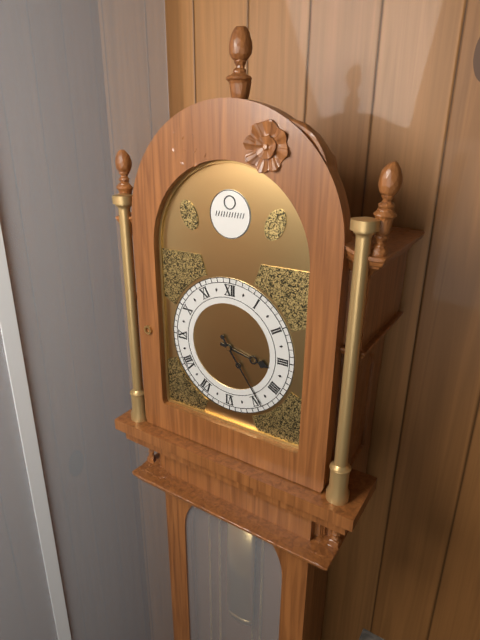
3,24
